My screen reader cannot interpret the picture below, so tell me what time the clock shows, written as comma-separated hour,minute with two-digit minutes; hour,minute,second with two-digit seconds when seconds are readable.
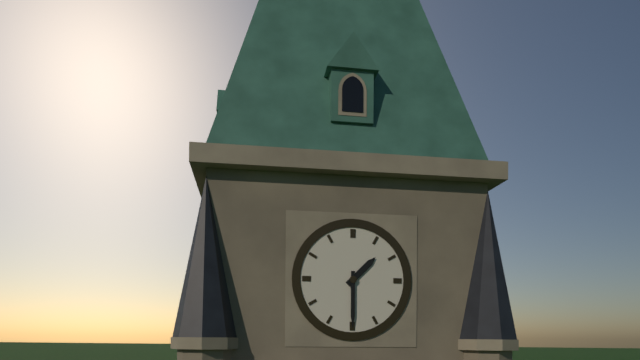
1,30
